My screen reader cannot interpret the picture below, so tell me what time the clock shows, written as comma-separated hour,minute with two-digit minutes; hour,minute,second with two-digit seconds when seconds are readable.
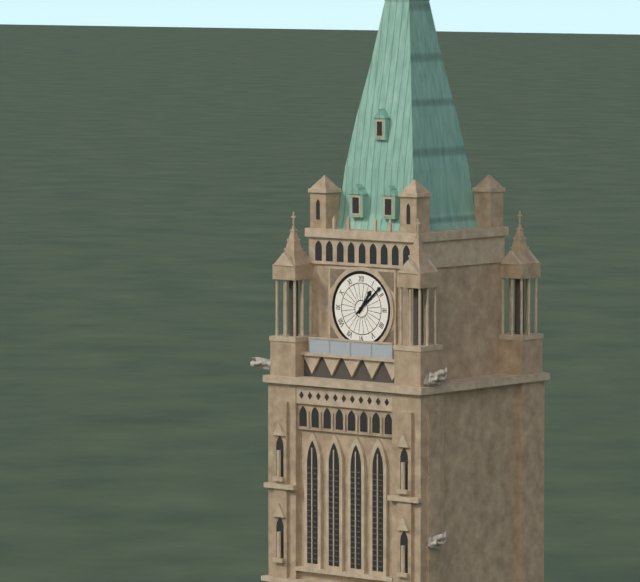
1,08
